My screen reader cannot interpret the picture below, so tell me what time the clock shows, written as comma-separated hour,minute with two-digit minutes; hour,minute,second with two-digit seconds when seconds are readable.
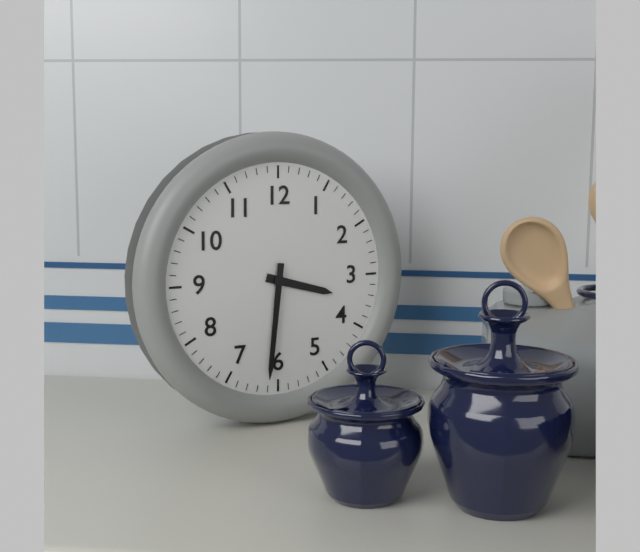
3,31
